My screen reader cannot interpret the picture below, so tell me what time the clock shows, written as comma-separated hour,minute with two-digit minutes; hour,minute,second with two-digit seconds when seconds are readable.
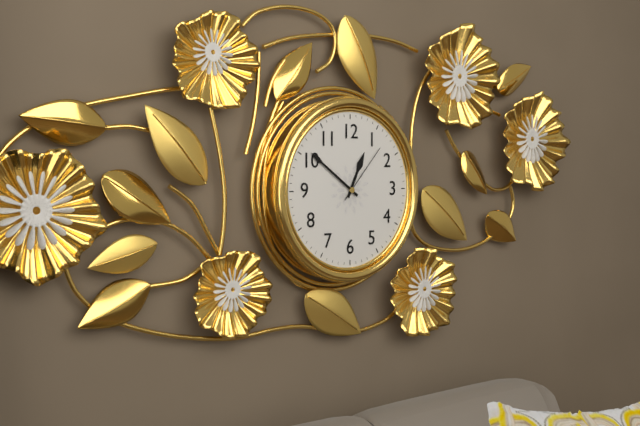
12,51,07
